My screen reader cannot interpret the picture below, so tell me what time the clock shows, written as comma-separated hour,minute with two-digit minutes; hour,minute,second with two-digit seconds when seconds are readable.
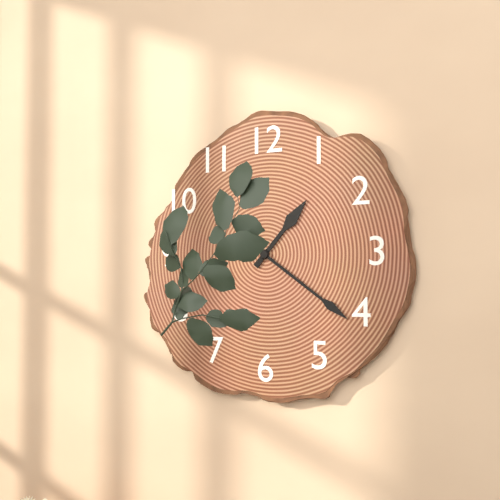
1,21
